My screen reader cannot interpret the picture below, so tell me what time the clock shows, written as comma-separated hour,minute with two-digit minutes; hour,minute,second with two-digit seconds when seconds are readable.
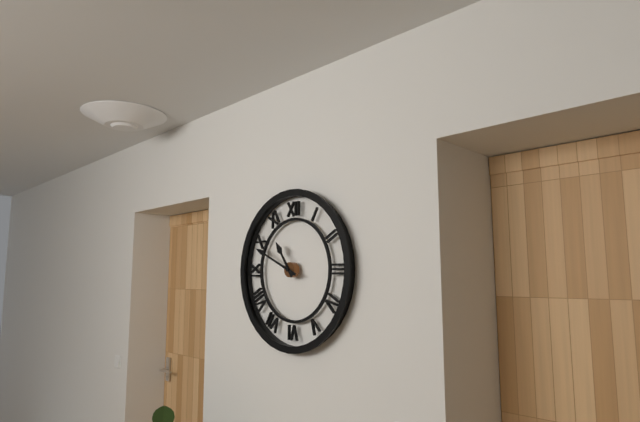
10,49
